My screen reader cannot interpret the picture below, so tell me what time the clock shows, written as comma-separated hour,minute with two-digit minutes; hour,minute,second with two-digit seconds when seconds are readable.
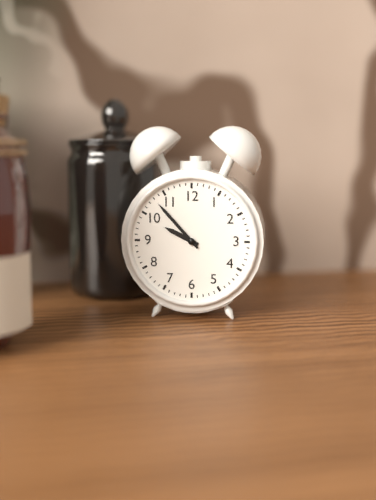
9,53
